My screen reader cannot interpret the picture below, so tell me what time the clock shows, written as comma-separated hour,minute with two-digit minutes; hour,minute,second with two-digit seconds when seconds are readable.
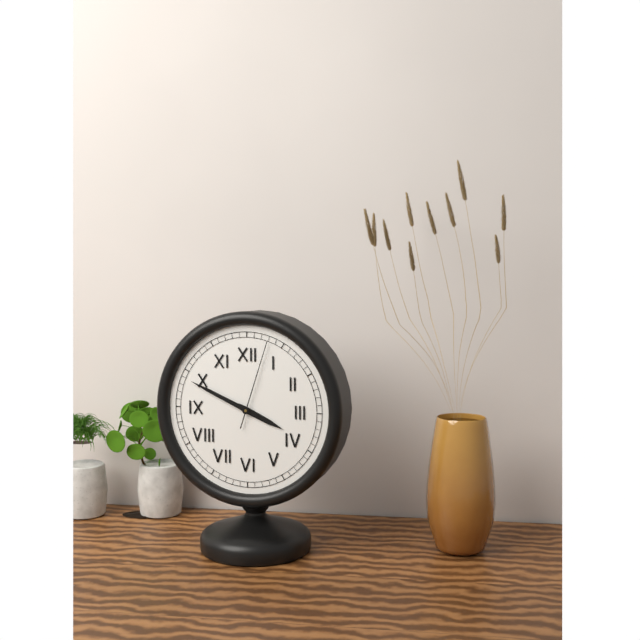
3,49,03
